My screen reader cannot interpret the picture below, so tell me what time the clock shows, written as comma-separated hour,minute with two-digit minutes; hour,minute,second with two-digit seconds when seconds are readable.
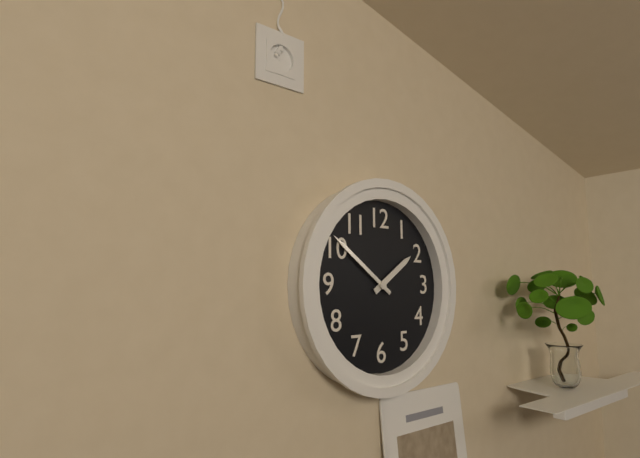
1,51
